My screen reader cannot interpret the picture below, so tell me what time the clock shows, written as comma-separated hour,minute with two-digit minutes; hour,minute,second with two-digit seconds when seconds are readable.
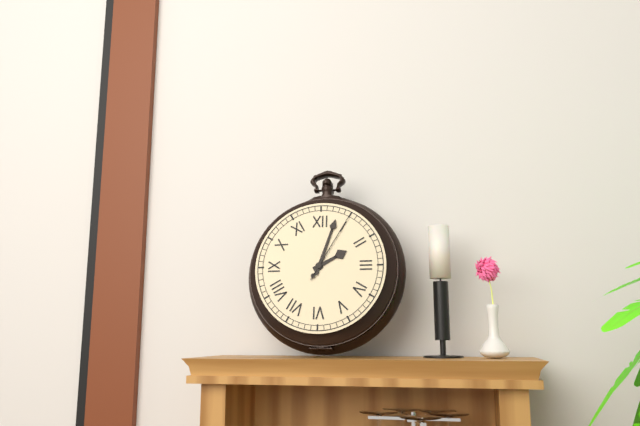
2,03,05
